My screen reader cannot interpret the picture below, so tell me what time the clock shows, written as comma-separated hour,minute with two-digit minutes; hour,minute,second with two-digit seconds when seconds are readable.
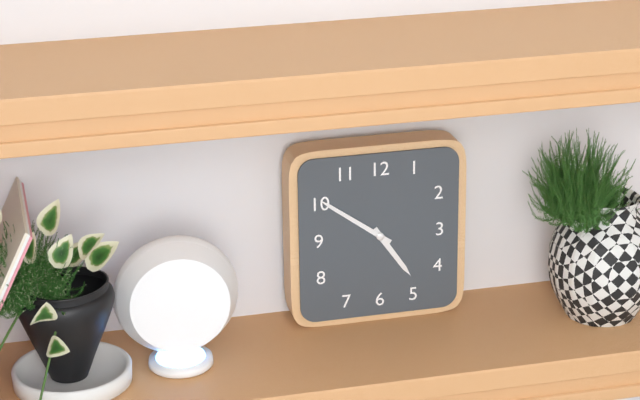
4,51
